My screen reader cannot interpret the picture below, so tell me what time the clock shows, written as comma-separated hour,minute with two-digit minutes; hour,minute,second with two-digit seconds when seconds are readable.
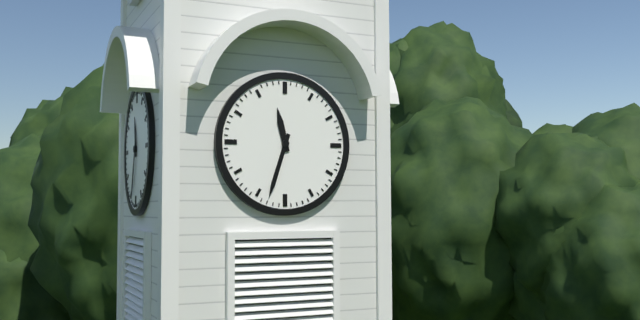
11,33
